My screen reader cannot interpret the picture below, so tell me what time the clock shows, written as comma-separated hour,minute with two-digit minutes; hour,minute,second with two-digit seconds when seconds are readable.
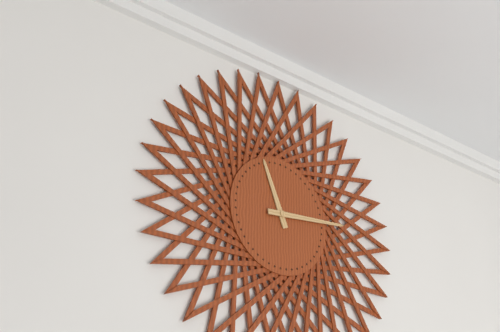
11,14
